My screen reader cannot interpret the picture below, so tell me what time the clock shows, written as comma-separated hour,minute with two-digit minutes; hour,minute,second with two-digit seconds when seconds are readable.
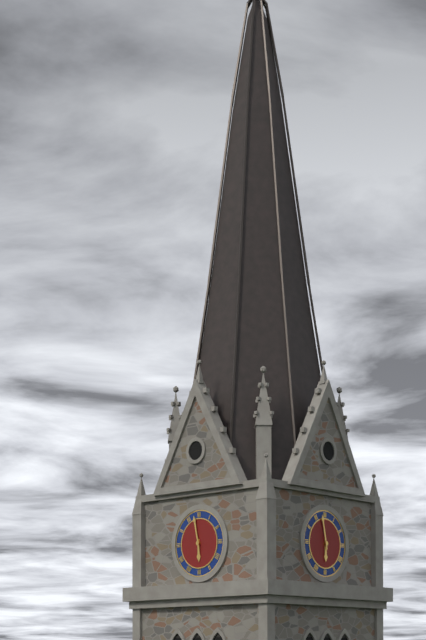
5,58
